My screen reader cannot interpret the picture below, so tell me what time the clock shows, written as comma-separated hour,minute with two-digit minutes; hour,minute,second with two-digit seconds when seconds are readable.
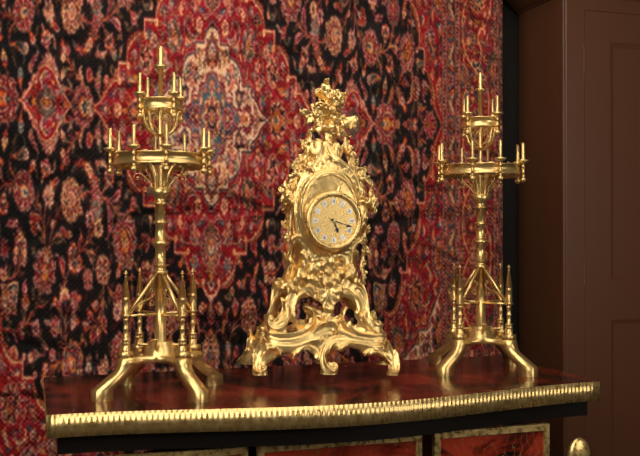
5,18
